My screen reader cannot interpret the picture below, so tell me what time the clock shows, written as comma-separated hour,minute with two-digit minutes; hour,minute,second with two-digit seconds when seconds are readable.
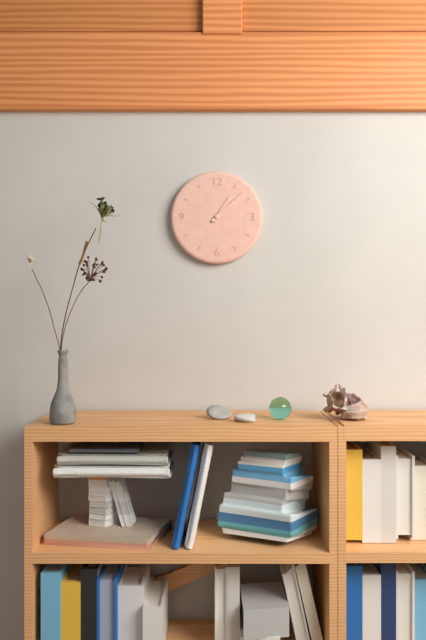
1,08
